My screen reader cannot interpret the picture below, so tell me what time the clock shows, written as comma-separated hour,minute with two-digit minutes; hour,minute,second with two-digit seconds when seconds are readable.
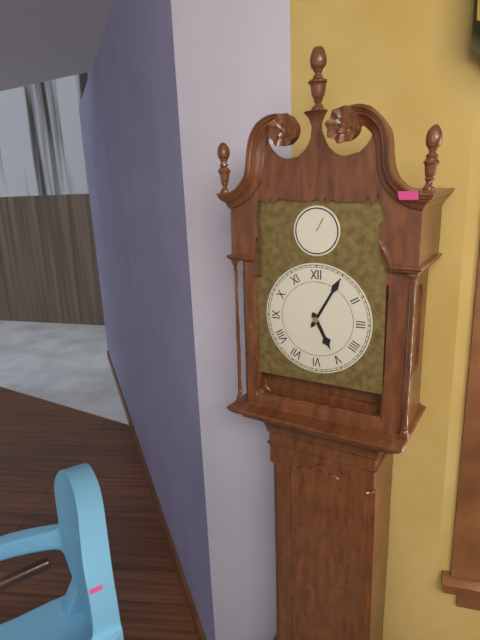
5,05
